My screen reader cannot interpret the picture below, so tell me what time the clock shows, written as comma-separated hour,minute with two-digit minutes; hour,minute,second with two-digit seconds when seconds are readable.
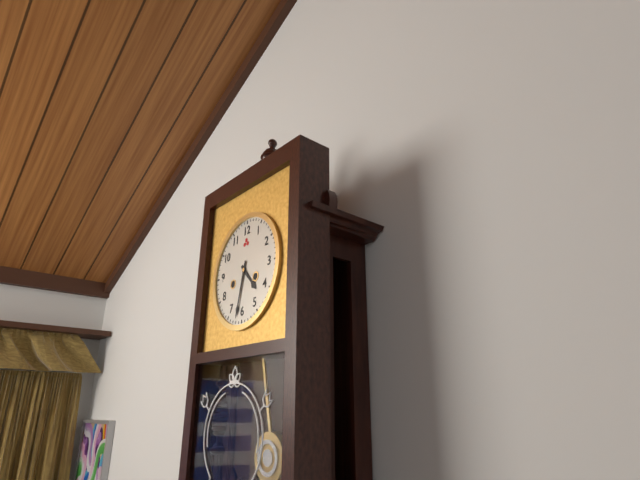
4,32
